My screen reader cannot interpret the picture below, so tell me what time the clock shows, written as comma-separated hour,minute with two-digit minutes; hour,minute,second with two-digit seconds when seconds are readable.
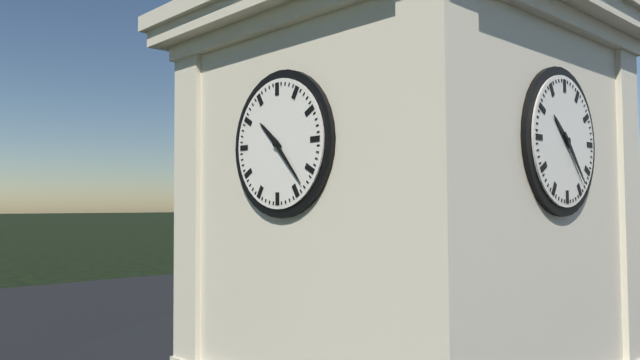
10,23
